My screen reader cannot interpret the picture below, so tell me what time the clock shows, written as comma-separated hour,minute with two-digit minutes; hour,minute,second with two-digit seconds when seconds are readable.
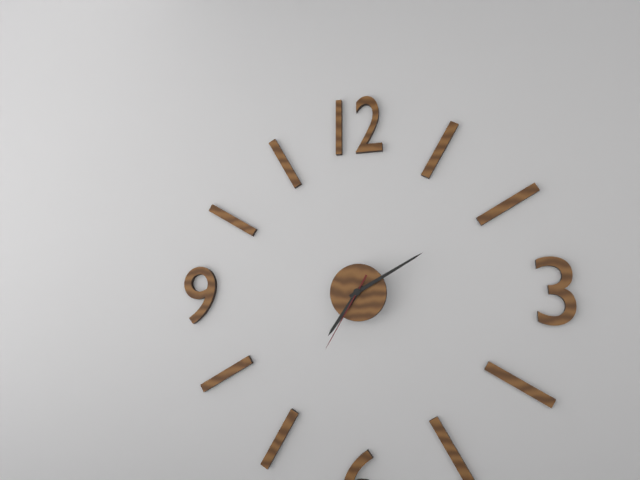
7,10,35
